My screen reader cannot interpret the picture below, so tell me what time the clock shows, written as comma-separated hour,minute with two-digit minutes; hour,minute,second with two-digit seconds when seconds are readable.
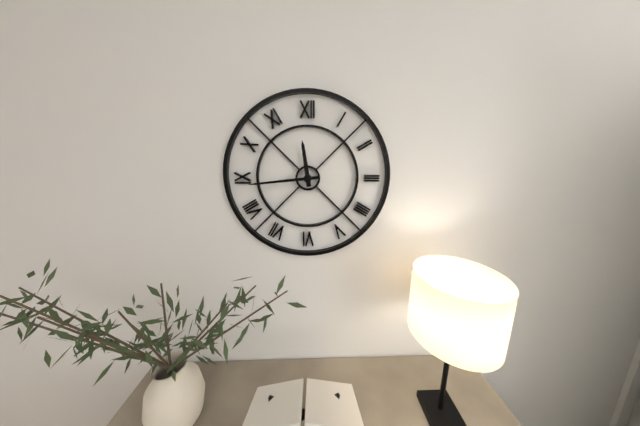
11,44
